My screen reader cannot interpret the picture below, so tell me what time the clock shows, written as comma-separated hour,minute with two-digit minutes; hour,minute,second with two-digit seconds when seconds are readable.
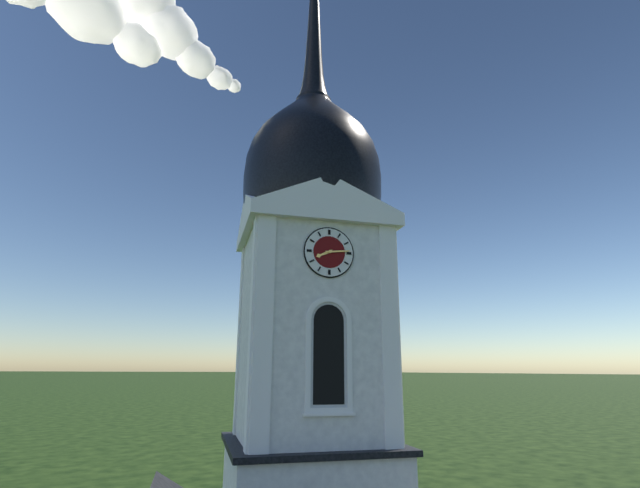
8,14
